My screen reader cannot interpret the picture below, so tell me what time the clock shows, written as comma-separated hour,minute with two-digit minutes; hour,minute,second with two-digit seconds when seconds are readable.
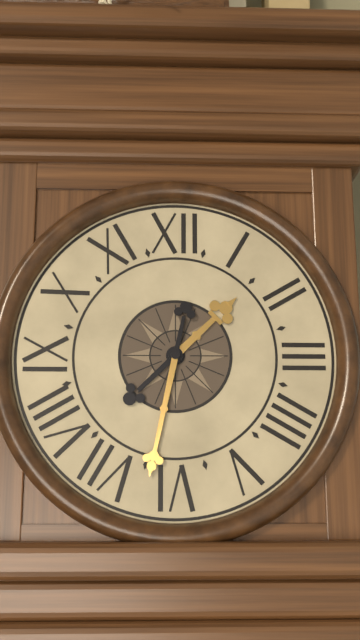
1,32
